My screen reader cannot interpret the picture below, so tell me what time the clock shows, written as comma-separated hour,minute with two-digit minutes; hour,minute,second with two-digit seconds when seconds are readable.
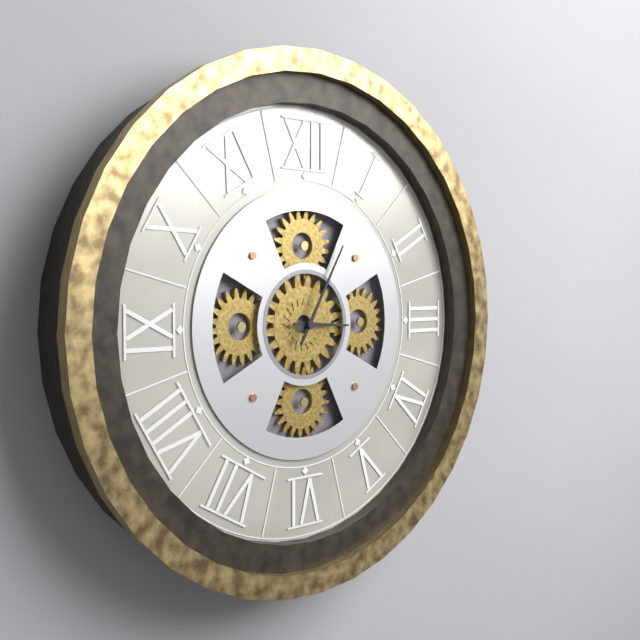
3,05
